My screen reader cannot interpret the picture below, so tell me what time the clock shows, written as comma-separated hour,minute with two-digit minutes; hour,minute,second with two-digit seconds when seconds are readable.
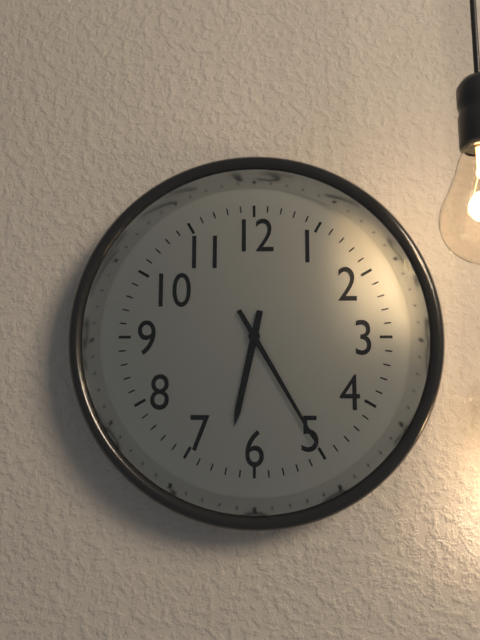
6,25
